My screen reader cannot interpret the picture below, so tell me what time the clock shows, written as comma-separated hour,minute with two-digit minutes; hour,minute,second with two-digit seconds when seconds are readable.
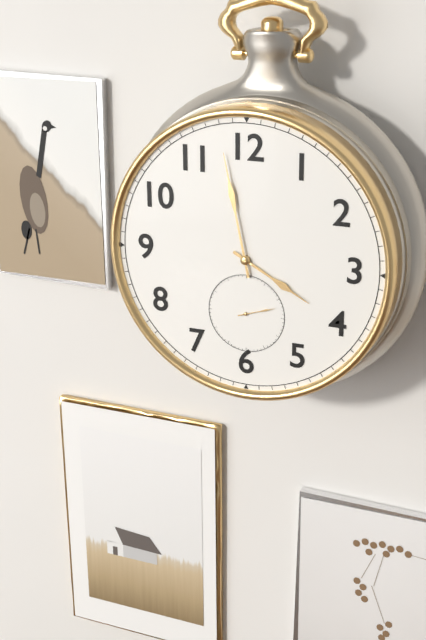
3,58
